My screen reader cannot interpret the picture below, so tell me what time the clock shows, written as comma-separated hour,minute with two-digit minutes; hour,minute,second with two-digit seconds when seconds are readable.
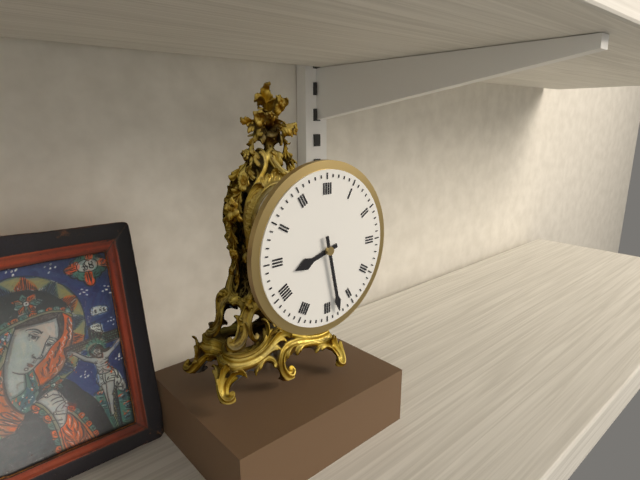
8,28
